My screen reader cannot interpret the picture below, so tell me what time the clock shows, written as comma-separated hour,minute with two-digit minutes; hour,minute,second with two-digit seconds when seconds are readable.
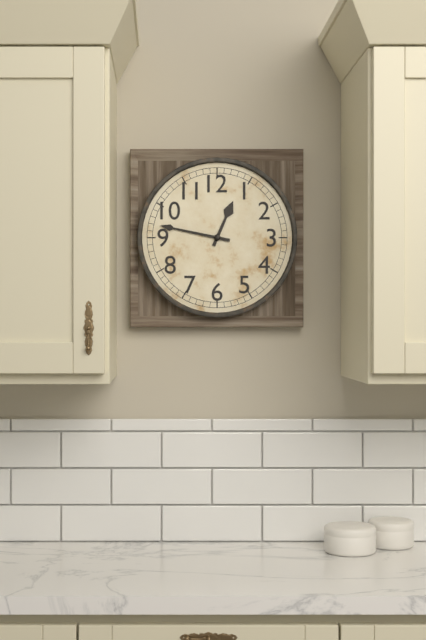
12,47
